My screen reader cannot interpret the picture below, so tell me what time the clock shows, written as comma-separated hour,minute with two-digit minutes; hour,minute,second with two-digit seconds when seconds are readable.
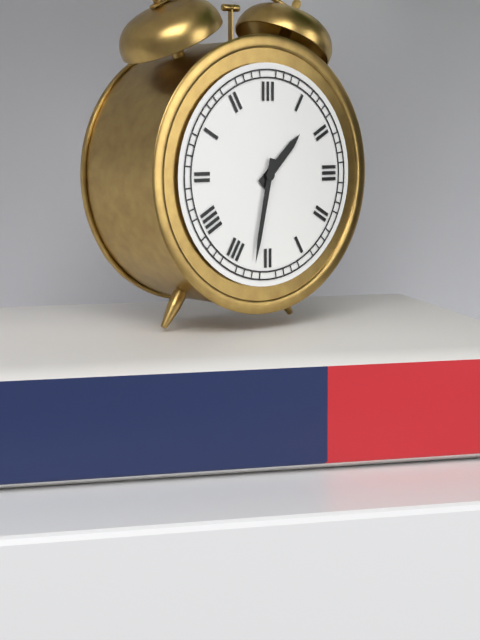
1,32
